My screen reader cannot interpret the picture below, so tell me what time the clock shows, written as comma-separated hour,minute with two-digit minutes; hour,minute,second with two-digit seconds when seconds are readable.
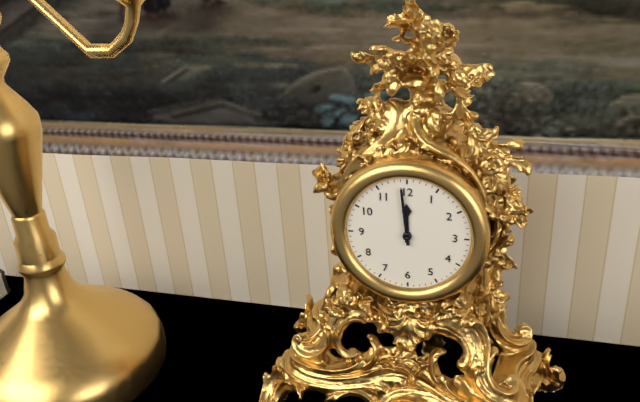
11,59
